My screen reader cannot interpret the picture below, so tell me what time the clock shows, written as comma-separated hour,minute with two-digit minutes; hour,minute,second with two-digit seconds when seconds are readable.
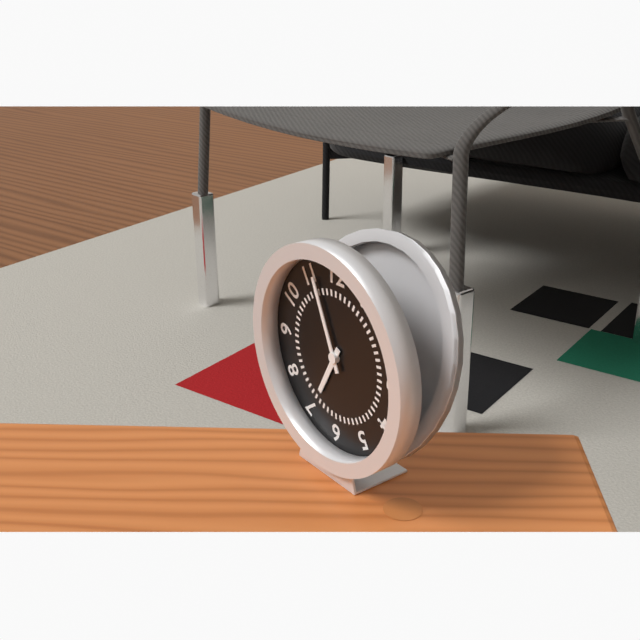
6,56
